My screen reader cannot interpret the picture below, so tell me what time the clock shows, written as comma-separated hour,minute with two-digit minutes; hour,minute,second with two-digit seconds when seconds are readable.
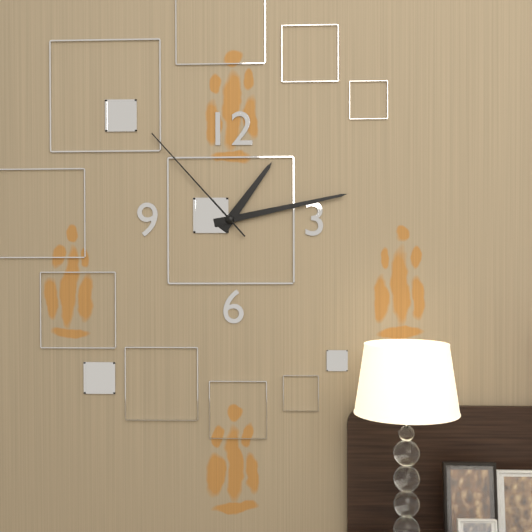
1,13,53
